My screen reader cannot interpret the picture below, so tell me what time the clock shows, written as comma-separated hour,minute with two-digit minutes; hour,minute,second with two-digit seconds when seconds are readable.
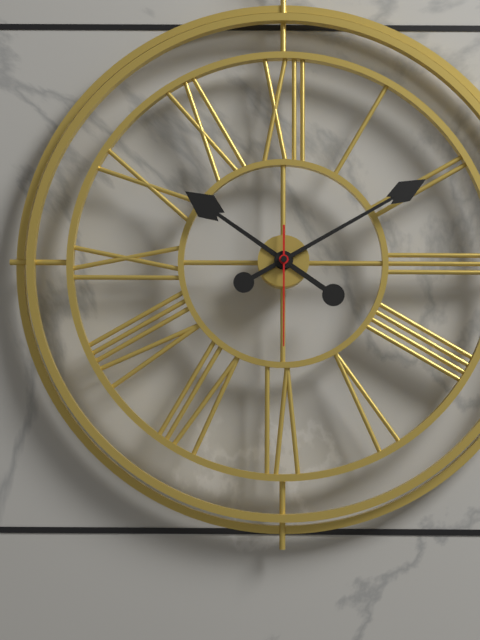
10,10,30
